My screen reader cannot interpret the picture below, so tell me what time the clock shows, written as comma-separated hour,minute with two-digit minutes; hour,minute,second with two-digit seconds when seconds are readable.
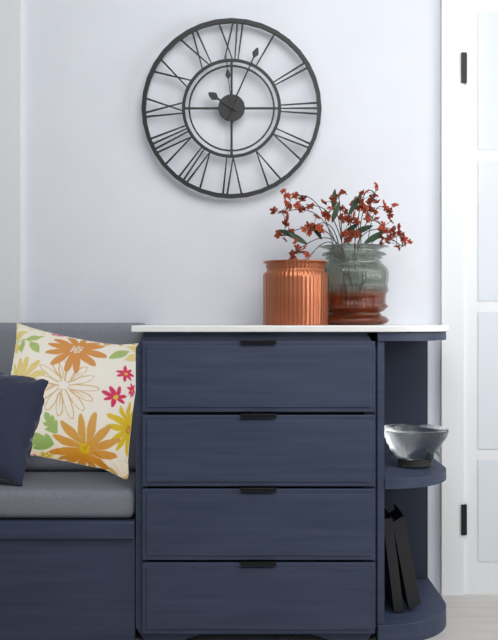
10,04,59
